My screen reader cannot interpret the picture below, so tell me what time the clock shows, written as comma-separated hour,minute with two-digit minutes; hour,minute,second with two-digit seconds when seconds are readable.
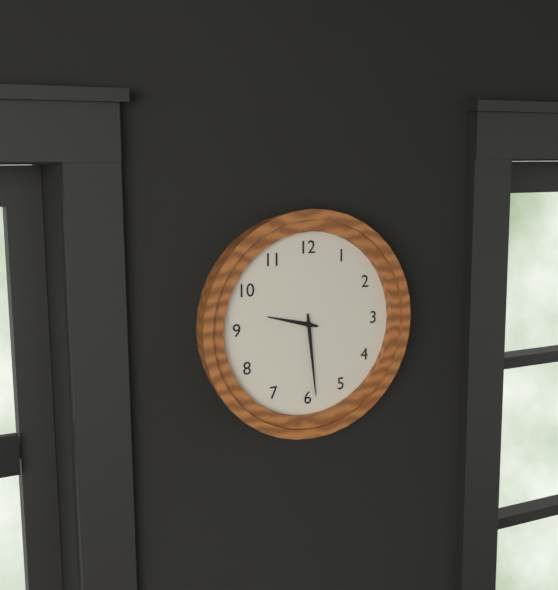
9,29
